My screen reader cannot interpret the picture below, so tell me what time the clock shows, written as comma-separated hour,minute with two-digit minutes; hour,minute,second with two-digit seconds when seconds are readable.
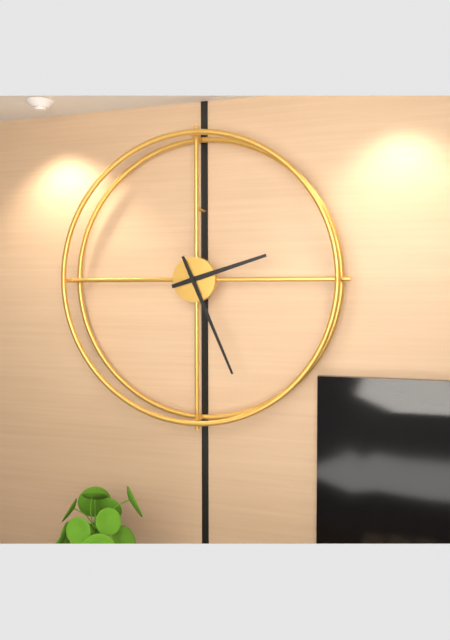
2,26
